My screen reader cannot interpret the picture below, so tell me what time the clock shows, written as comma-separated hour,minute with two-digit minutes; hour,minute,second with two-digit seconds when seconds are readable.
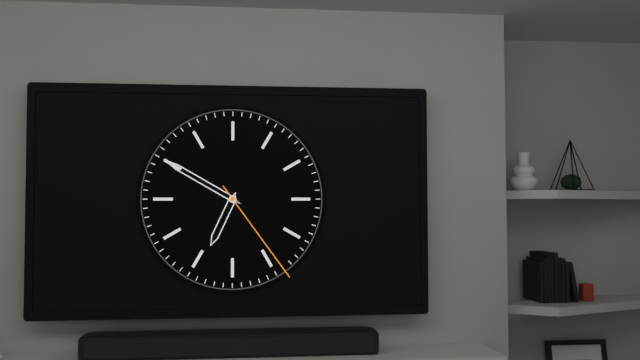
6,50,24
